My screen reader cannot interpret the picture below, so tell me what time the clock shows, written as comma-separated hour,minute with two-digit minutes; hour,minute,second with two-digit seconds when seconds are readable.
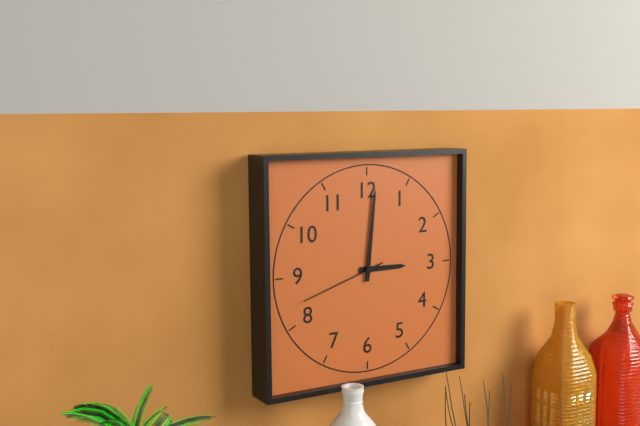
3,01,42
